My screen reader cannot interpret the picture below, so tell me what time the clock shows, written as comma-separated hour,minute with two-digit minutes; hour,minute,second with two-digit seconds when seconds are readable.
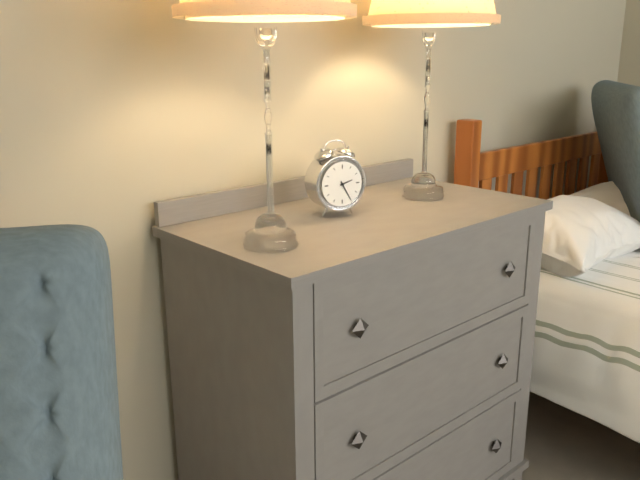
2,25
